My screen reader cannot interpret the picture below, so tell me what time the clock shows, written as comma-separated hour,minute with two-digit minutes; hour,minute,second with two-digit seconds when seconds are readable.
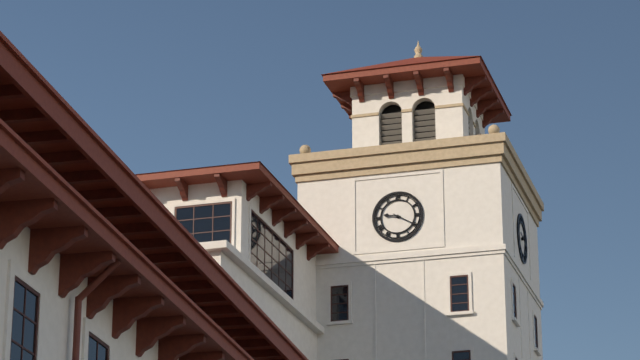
9,20
